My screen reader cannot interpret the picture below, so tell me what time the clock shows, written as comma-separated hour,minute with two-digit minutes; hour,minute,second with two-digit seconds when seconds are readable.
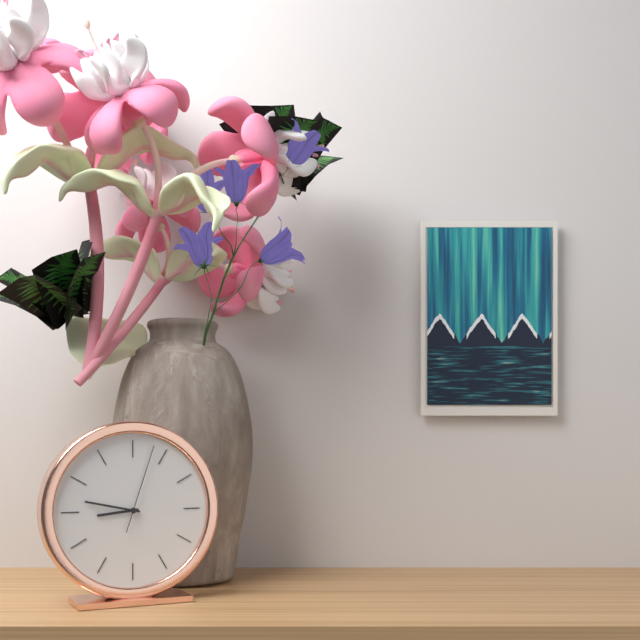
8,47,03
